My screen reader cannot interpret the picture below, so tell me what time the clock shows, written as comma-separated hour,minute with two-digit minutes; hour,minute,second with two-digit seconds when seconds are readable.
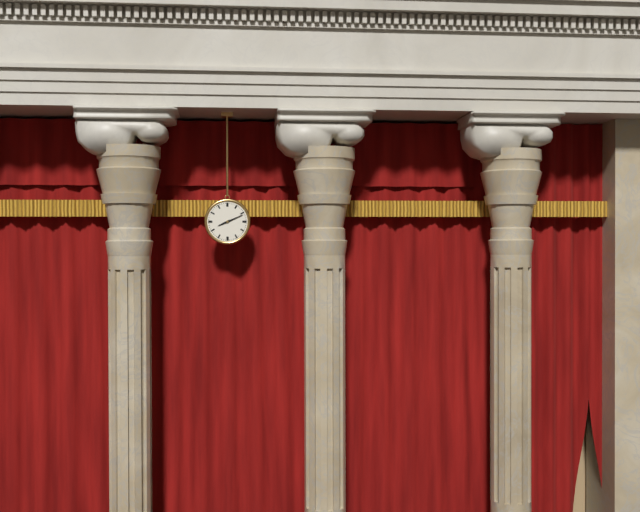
8,11
